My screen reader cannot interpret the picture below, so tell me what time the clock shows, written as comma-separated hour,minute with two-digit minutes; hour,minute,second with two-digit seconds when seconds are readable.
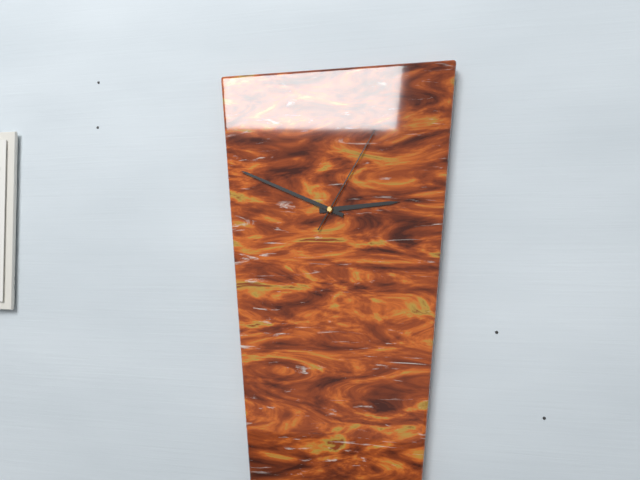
2,49,05
